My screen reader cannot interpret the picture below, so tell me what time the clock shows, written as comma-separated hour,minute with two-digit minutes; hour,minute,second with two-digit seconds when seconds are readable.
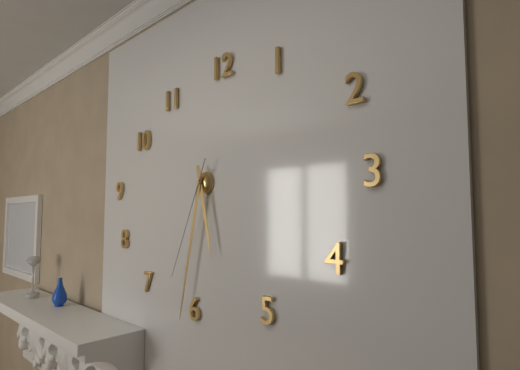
5,32,34
